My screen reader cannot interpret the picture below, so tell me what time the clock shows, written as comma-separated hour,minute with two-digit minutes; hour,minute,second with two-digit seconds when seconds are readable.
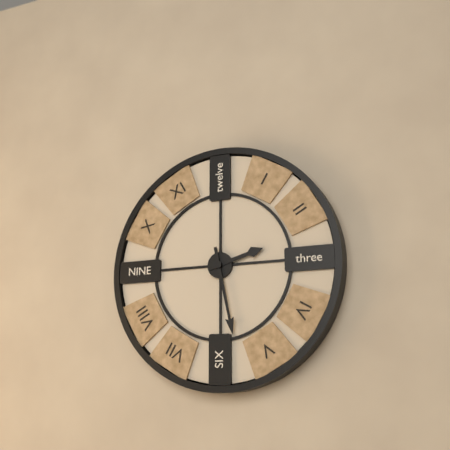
2,28
